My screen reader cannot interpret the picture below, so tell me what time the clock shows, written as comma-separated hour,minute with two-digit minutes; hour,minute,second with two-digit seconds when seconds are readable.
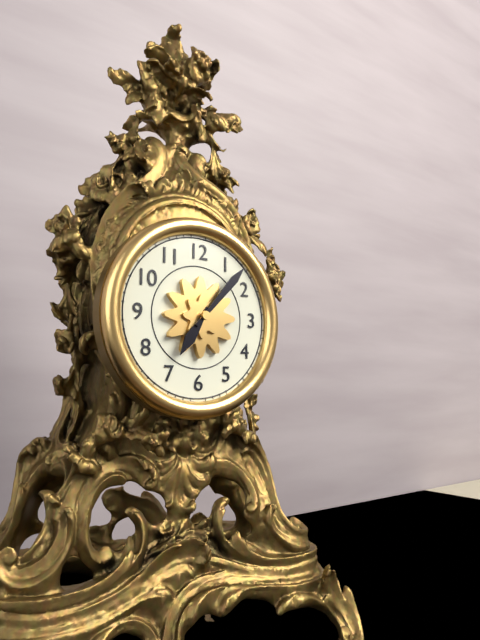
7,07
